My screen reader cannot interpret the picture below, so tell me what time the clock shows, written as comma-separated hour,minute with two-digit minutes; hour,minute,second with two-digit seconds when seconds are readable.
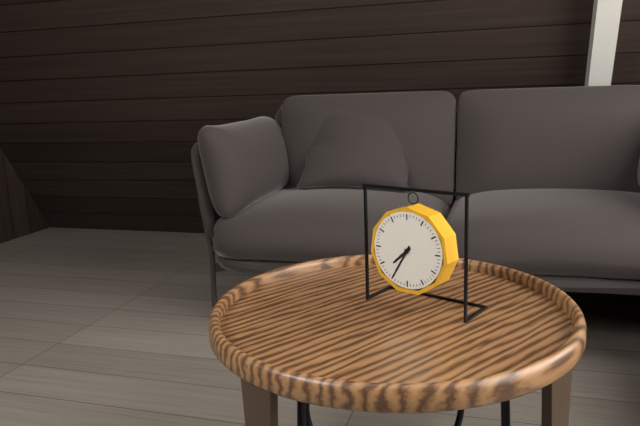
7,35
